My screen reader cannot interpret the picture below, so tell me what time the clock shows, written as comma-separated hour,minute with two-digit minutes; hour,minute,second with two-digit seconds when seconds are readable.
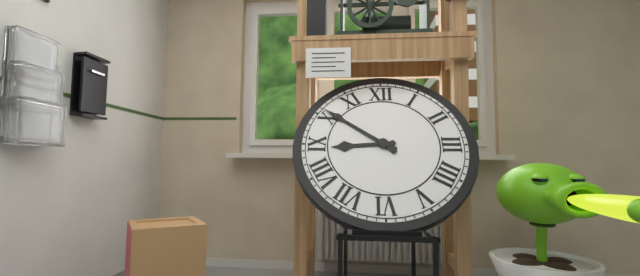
8,51
